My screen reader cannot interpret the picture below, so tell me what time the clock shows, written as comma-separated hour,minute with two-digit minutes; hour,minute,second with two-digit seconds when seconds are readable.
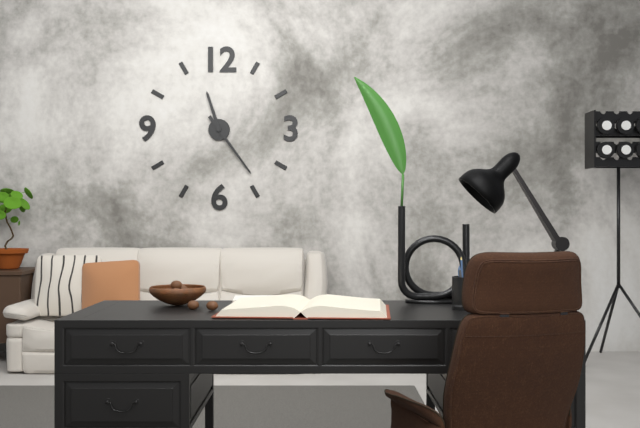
11,24
